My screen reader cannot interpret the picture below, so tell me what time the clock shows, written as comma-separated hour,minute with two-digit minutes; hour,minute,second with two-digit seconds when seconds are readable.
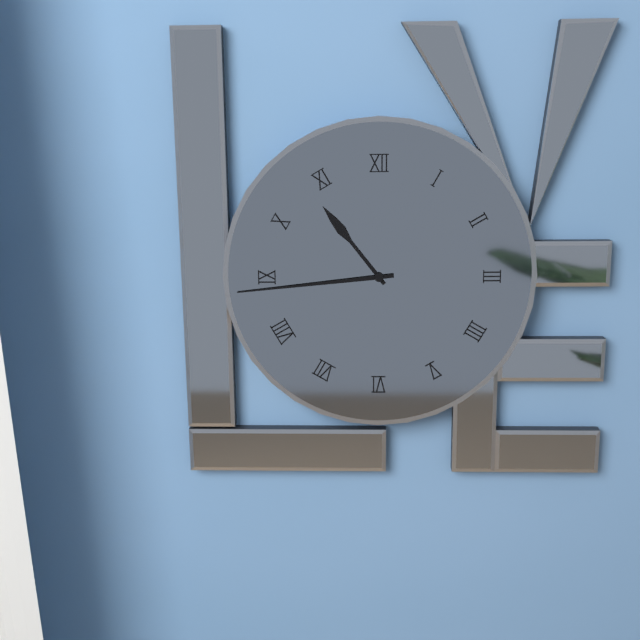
10,44
